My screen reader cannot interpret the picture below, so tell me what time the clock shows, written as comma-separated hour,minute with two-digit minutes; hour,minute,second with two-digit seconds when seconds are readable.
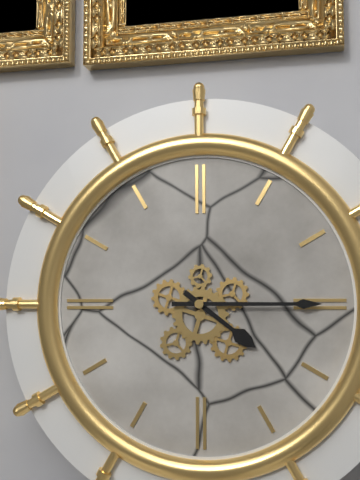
4,15
